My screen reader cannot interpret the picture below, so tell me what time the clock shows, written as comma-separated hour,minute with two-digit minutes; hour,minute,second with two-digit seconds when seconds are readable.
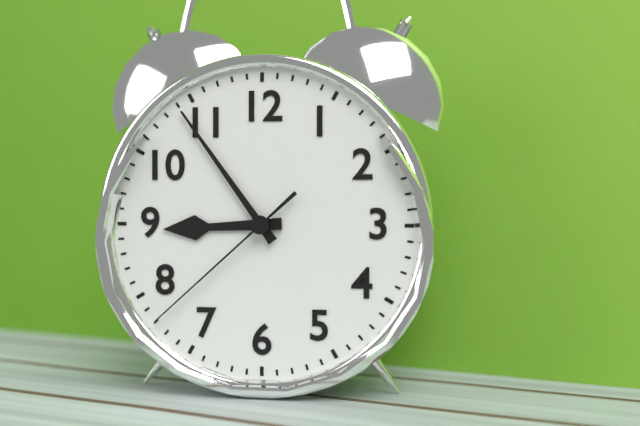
8,54,38
